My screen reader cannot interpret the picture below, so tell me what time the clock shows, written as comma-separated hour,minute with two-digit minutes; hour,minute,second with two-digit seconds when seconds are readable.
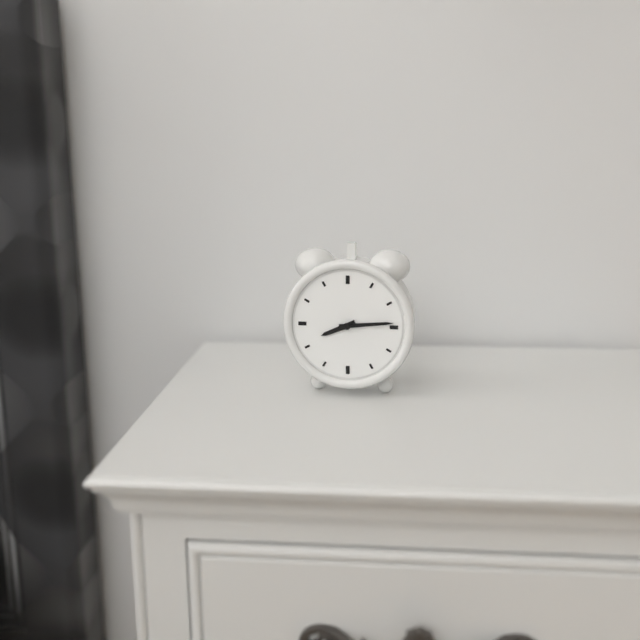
8,14
